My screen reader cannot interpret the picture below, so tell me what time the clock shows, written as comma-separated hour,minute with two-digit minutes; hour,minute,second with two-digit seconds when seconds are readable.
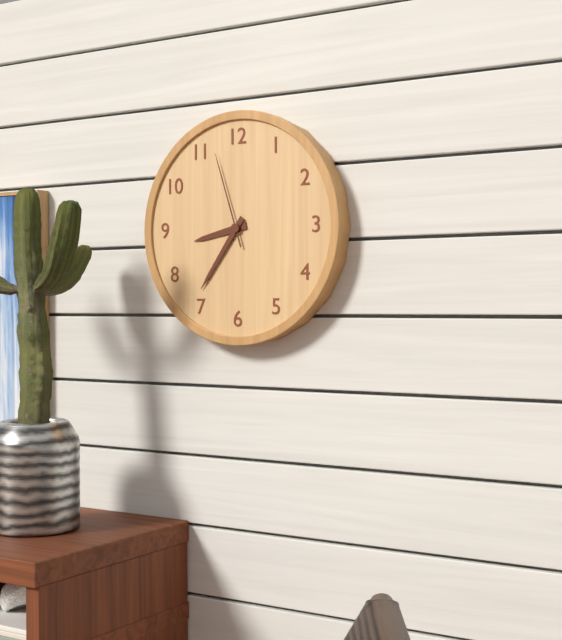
8,36,57
